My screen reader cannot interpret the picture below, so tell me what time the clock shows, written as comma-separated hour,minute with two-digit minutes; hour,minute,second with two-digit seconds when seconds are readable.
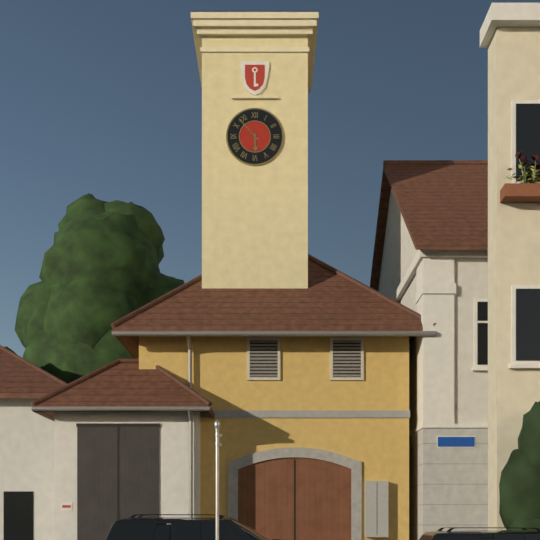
5,53
